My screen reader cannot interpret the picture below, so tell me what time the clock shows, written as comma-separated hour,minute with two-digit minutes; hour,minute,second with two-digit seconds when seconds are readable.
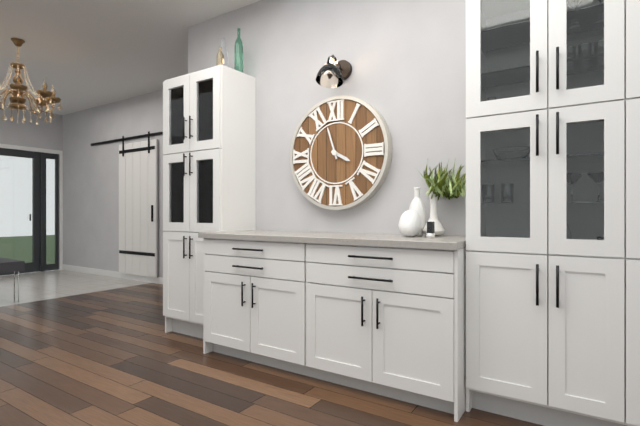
3,57
